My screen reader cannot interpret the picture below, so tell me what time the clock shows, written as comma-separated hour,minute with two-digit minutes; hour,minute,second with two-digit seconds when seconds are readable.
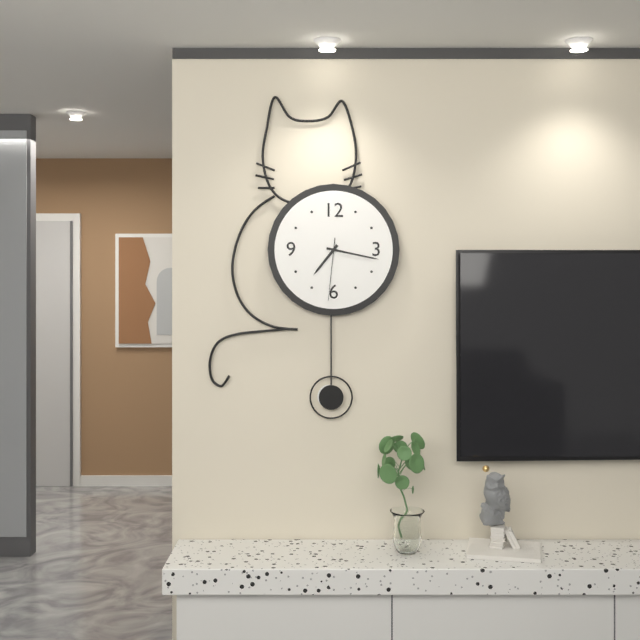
7,17,31
